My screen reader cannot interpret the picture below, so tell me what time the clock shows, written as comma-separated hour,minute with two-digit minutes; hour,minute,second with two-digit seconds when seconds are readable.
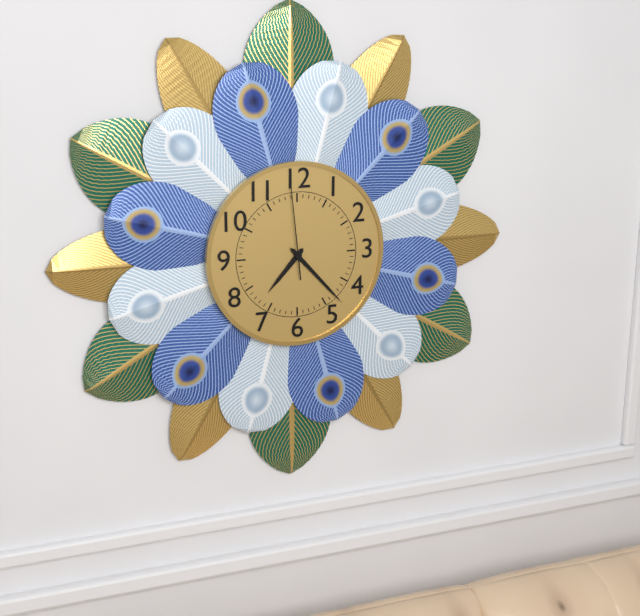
7,23,59
